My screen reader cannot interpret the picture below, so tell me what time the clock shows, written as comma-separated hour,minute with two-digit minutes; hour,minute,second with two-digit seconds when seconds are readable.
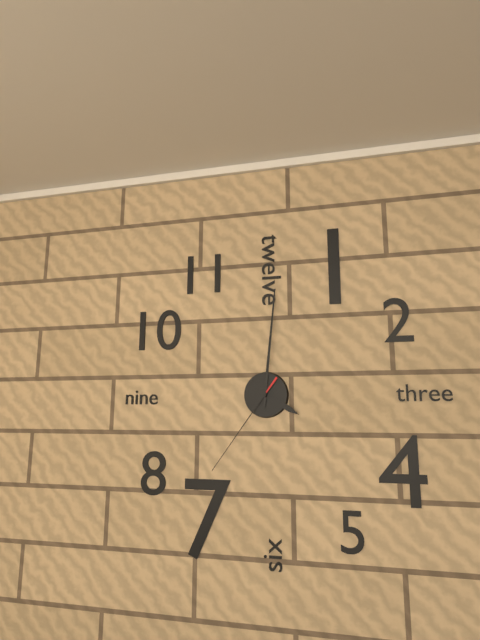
4,01,36
